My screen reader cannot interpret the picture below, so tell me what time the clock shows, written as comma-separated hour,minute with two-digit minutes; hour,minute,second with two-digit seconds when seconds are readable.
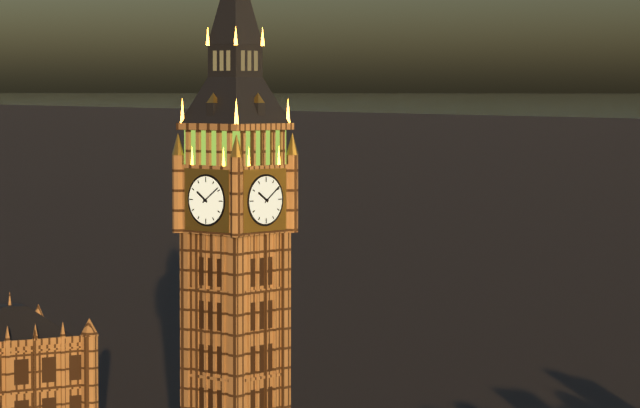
10,09
